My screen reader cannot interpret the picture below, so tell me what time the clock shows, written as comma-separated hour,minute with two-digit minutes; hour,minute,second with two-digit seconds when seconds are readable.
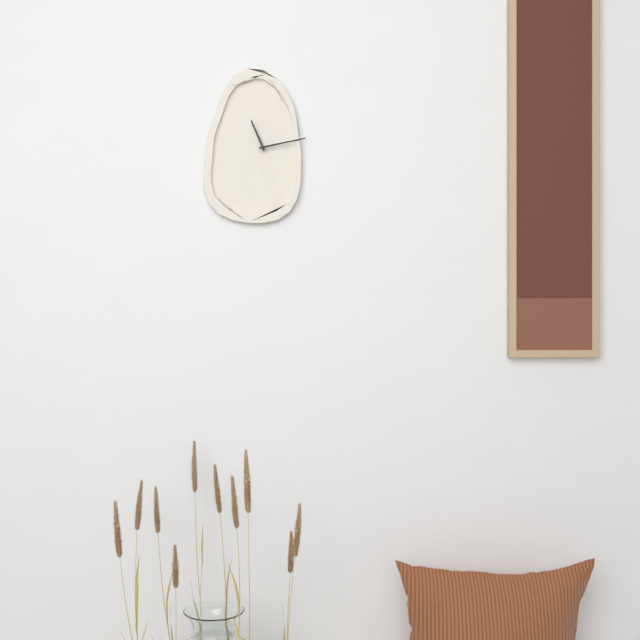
11,13
